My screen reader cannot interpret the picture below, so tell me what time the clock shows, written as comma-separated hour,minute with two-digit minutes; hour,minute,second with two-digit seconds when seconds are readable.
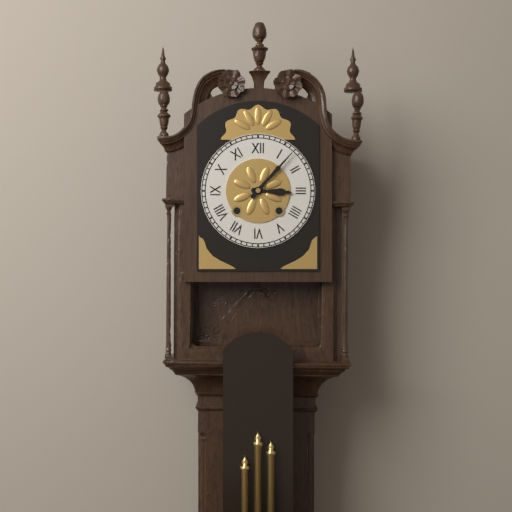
3,07
